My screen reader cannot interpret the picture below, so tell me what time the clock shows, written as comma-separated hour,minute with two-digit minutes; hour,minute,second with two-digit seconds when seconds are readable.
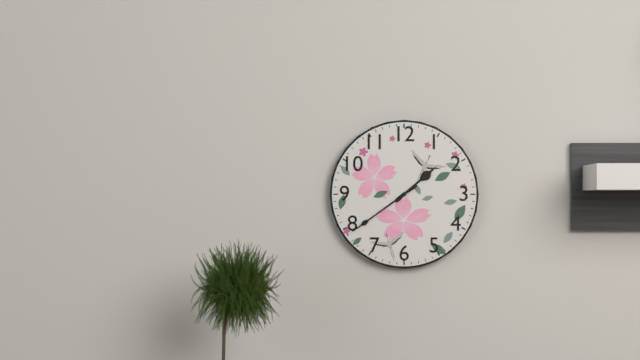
1,39
